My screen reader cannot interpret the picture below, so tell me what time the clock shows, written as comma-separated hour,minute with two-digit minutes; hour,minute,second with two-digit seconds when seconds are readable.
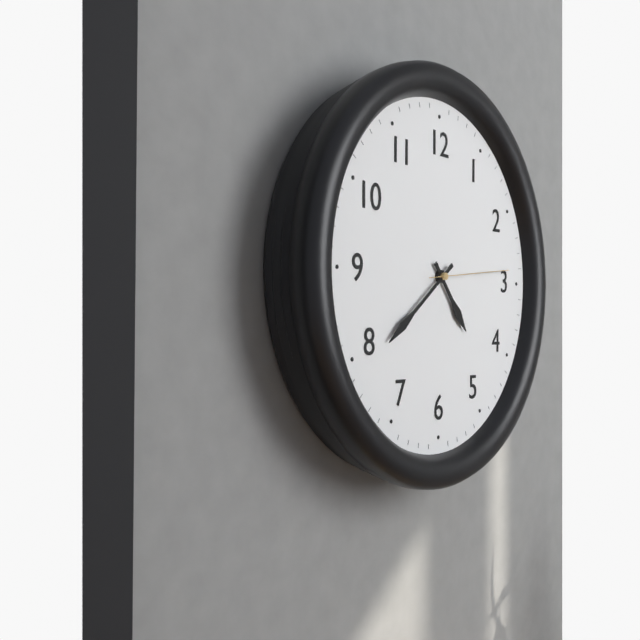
4,39,14
